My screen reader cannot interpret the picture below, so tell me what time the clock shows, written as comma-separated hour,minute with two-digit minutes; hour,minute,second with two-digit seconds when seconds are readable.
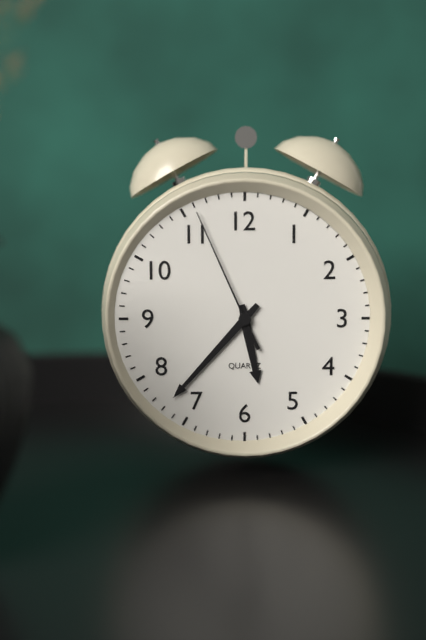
5,37,56
